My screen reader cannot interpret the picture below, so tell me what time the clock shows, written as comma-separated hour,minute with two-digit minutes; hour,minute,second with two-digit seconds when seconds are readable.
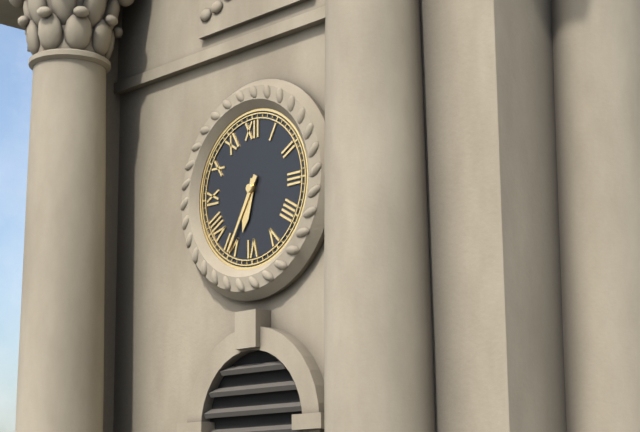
6,35
